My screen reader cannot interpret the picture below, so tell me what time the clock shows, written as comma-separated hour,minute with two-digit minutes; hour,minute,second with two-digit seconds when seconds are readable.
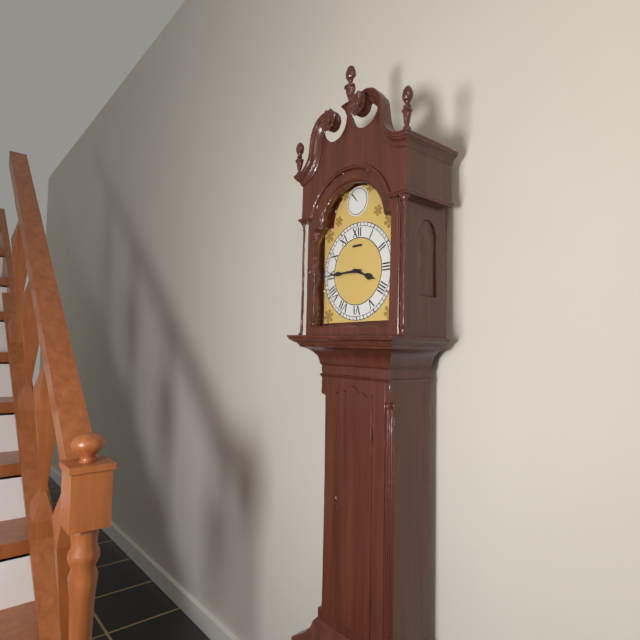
3,45
